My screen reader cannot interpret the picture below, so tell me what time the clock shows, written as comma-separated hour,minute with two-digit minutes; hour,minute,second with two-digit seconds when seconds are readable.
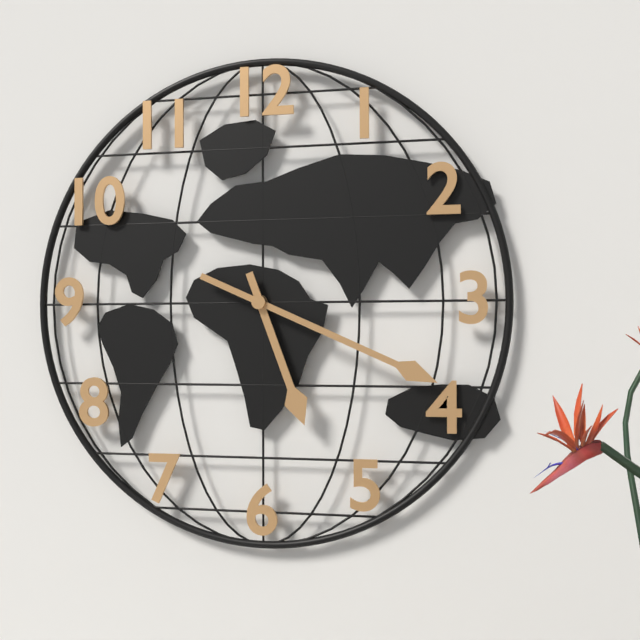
5,19
